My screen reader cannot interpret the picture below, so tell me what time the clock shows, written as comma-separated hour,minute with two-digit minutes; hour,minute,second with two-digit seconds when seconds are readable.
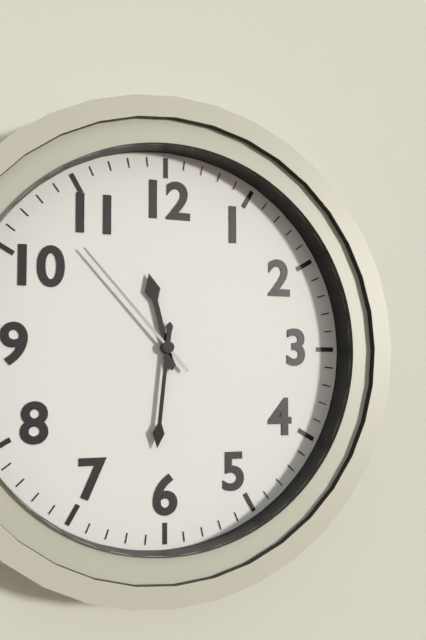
11,31,53
